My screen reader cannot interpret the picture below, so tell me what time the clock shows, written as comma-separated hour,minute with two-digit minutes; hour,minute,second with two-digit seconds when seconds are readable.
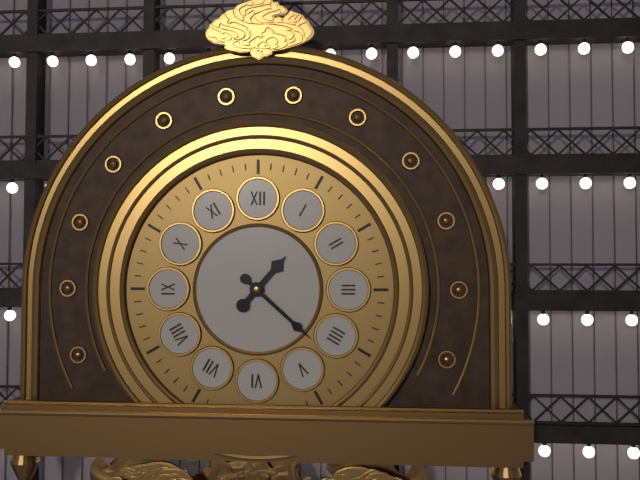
1,22
